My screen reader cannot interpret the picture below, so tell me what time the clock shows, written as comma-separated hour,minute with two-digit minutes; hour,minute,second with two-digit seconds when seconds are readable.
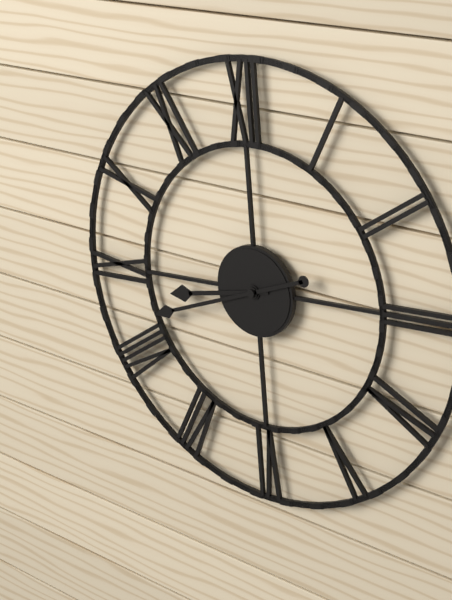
8,42
